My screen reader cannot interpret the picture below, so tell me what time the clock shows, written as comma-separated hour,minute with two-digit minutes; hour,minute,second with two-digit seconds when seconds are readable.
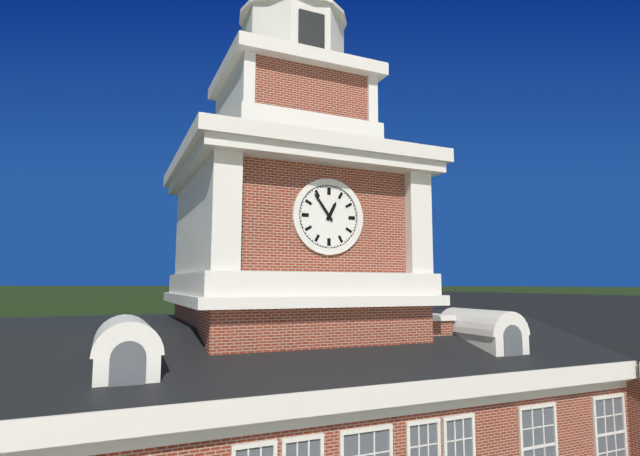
12,54
